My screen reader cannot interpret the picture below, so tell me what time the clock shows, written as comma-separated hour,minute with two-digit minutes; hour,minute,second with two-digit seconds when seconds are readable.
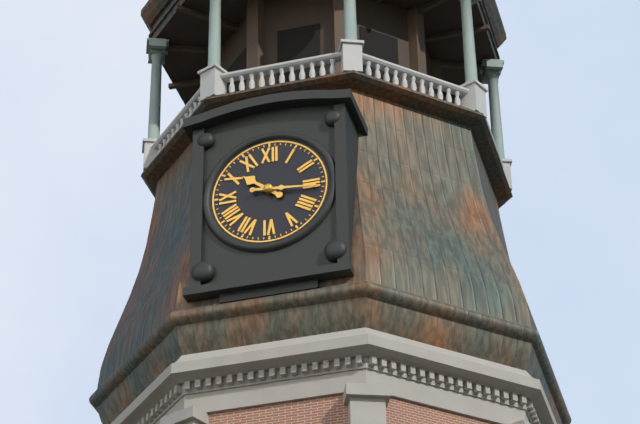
10,16
